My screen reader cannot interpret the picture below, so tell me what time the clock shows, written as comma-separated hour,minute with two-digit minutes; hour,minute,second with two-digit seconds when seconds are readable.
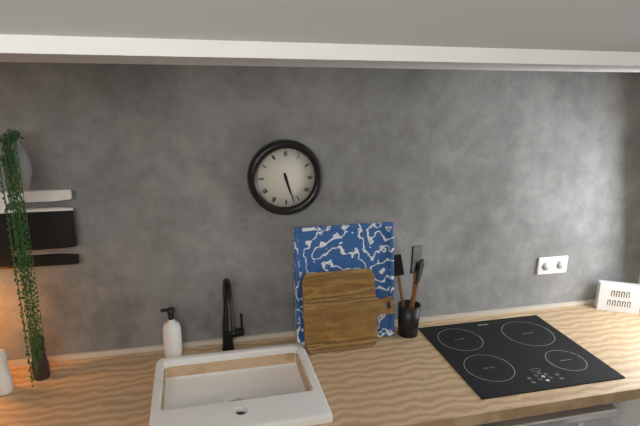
5,27
